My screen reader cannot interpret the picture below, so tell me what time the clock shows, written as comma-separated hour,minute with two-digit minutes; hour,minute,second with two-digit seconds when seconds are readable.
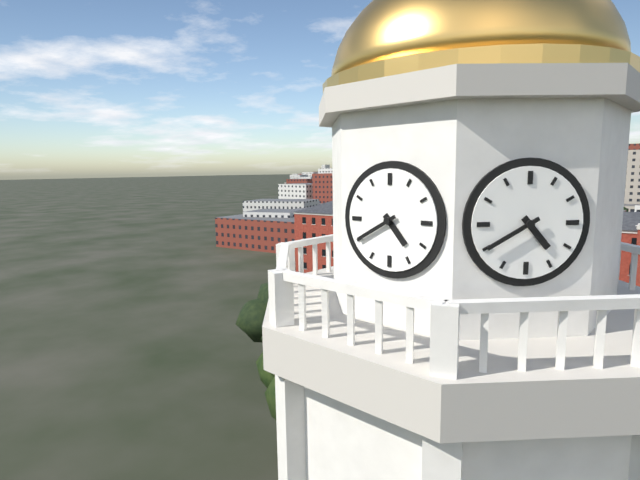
4,40
